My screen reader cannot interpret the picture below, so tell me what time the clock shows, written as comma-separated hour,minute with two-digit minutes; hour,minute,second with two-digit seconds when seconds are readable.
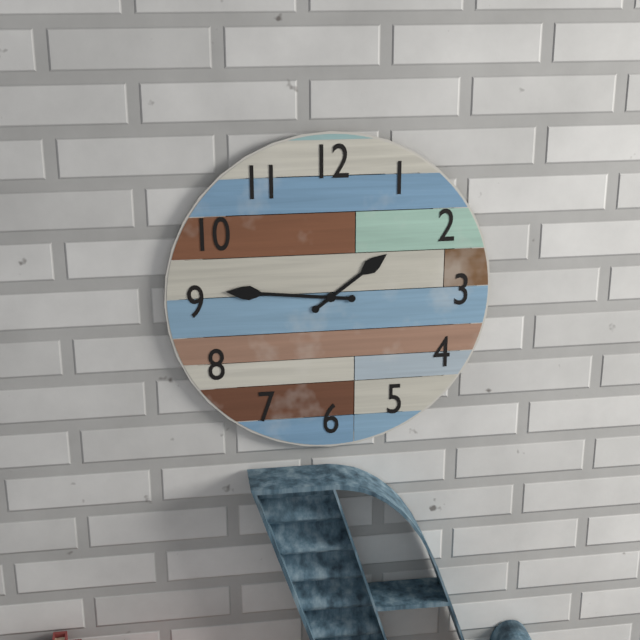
1,46
